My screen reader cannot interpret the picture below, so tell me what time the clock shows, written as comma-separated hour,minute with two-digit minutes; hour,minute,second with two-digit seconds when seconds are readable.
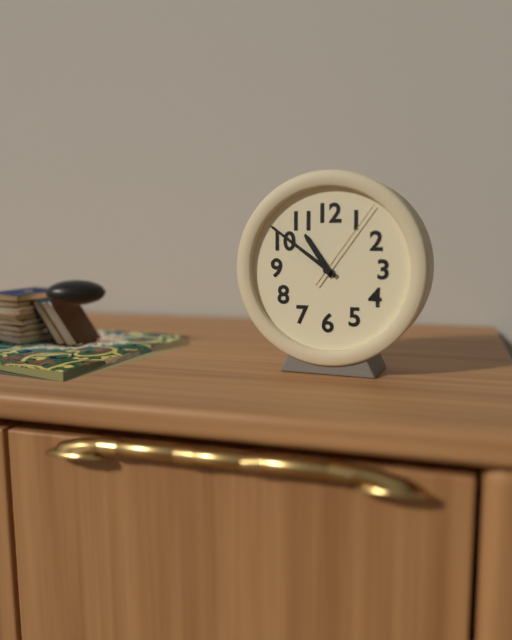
10,51,06
